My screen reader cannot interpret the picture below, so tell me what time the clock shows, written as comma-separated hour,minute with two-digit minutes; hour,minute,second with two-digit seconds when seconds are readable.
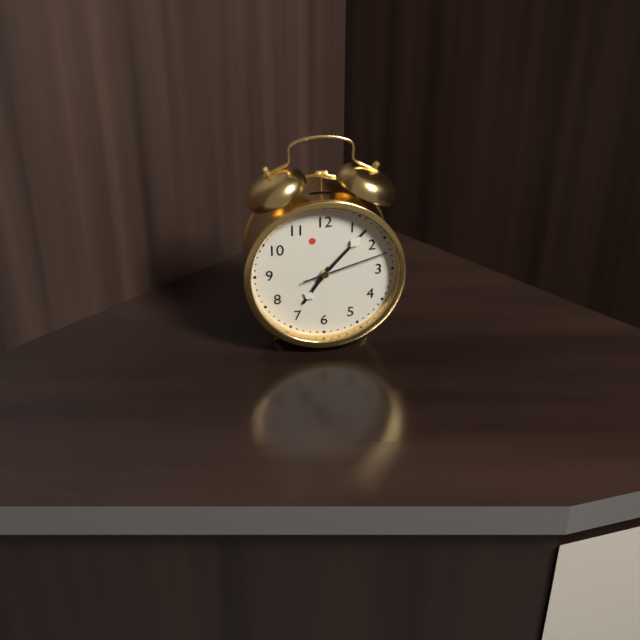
7,07,12
